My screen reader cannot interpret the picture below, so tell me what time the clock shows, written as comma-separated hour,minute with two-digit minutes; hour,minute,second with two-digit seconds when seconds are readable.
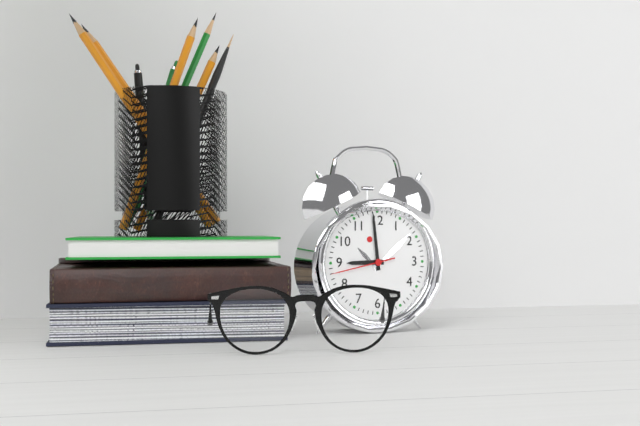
8,59,43
